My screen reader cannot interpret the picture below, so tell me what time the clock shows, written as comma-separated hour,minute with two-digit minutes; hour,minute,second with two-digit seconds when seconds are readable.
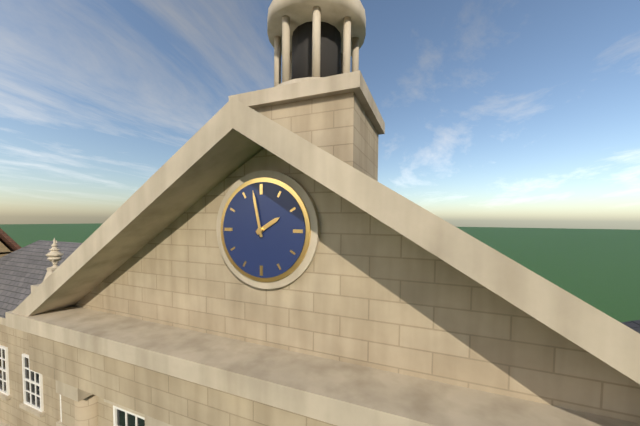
1,58
